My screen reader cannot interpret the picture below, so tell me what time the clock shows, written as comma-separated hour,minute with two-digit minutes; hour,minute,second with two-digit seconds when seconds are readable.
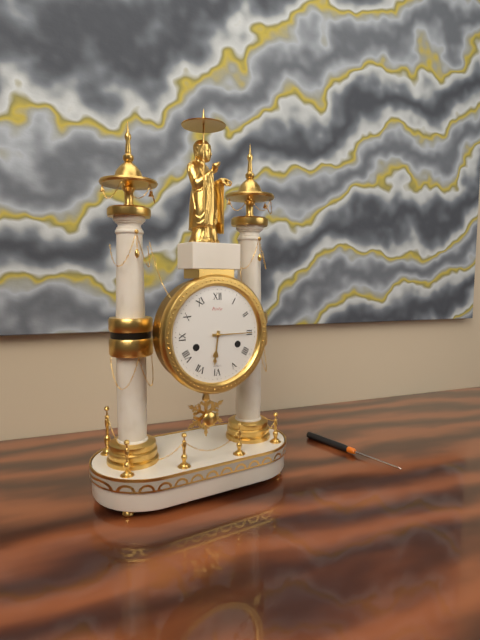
6,15
